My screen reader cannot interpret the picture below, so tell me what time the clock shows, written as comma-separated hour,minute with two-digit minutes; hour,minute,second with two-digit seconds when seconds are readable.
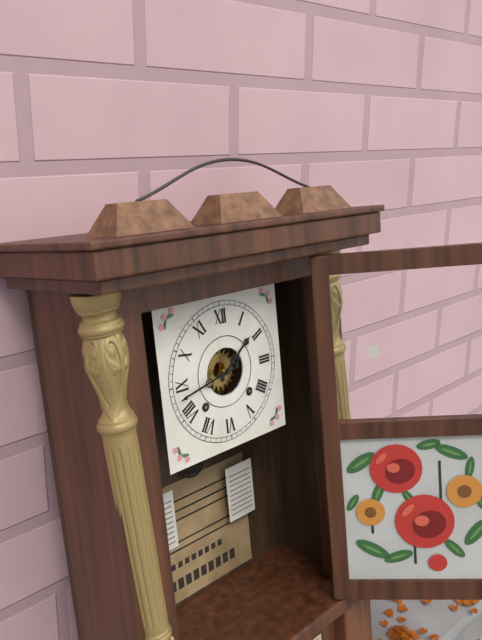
1,43
